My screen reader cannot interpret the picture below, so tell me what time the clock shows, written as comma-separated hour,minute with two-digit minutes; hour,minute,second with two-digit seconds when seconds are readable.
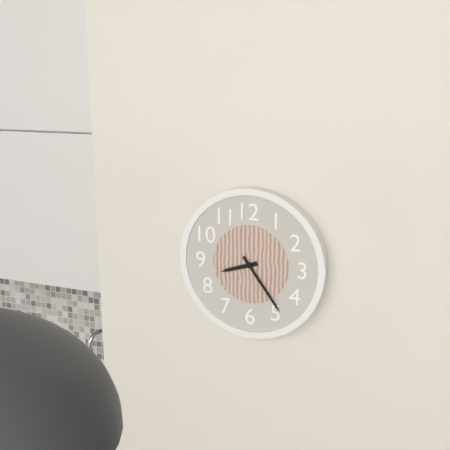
8,24
